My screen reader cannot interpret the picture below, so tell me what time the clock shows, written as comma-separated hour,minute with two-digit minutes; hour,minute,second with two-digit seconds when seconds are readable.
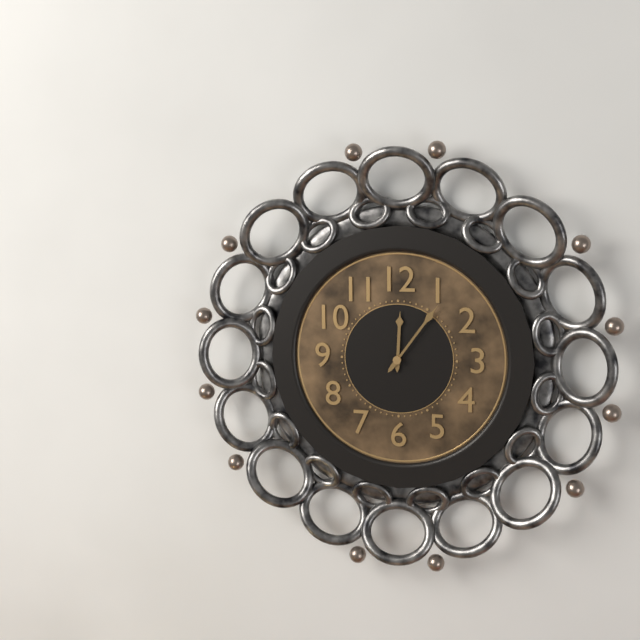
12,06
